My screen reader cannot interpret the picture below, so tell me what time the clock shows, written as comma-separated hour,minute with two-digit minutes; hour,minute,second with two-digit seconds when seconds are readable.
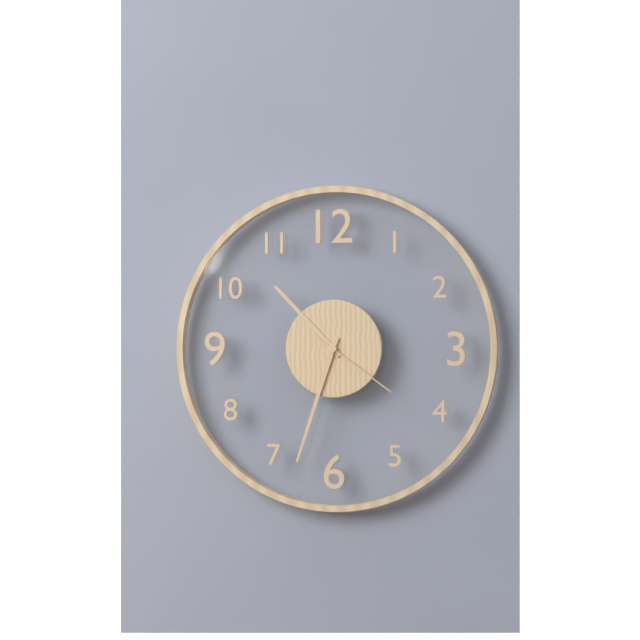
10,33,21
